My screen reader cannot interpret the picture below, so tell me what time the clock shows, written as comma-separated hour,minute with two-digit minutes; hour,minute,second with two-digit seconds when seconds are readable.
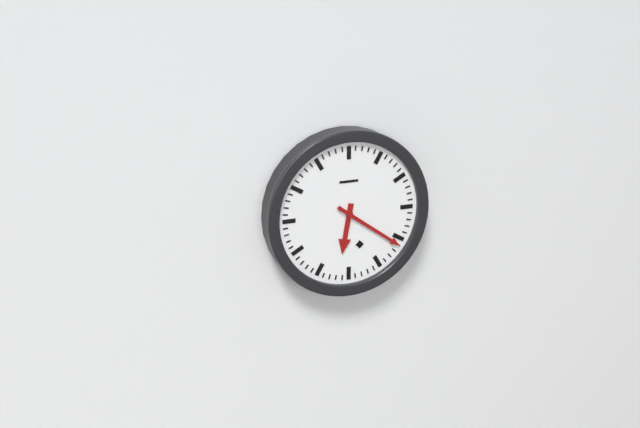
6,21
